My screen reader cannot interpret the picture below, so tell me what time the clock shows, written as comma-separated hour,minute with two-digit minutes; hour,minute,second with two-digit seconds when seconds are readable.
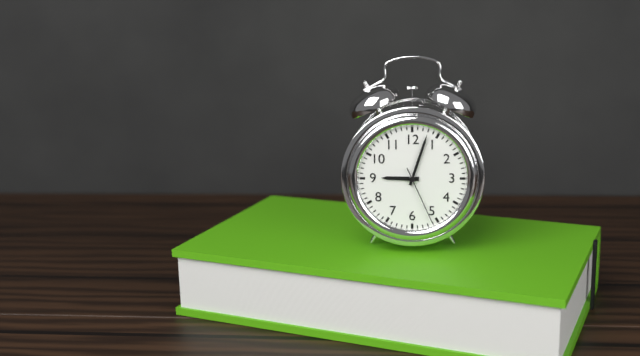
9,03,26
